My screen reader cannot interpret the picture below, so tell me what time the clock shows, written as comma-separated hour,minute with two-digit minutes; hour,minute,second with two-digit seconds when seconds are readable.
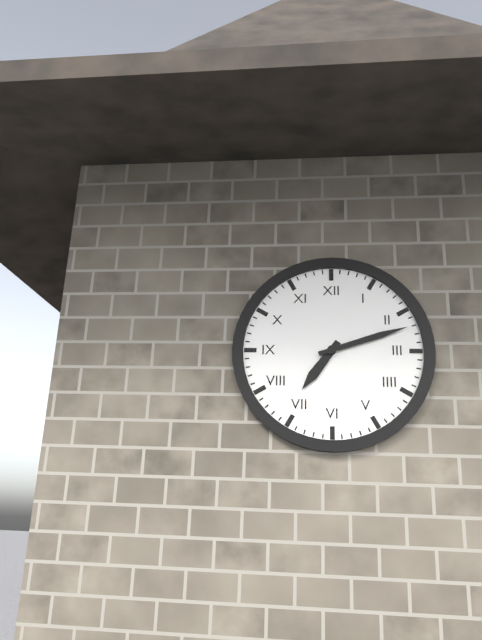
7,12
